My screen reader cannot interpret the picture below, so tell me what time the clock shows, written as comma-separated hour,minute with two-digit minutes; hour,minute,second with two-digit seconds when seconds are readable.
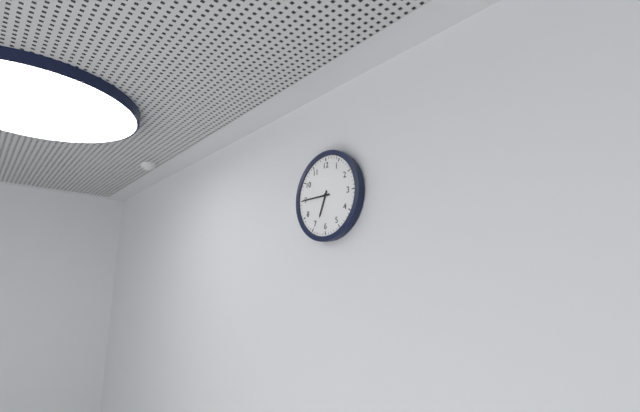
6,45
